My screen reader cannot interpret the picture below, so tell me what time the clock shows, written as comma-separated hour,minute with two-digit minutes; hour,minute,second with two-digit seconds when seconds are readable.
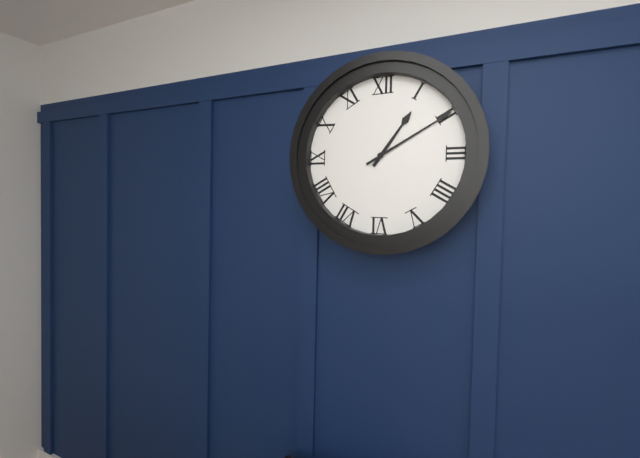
1,10
